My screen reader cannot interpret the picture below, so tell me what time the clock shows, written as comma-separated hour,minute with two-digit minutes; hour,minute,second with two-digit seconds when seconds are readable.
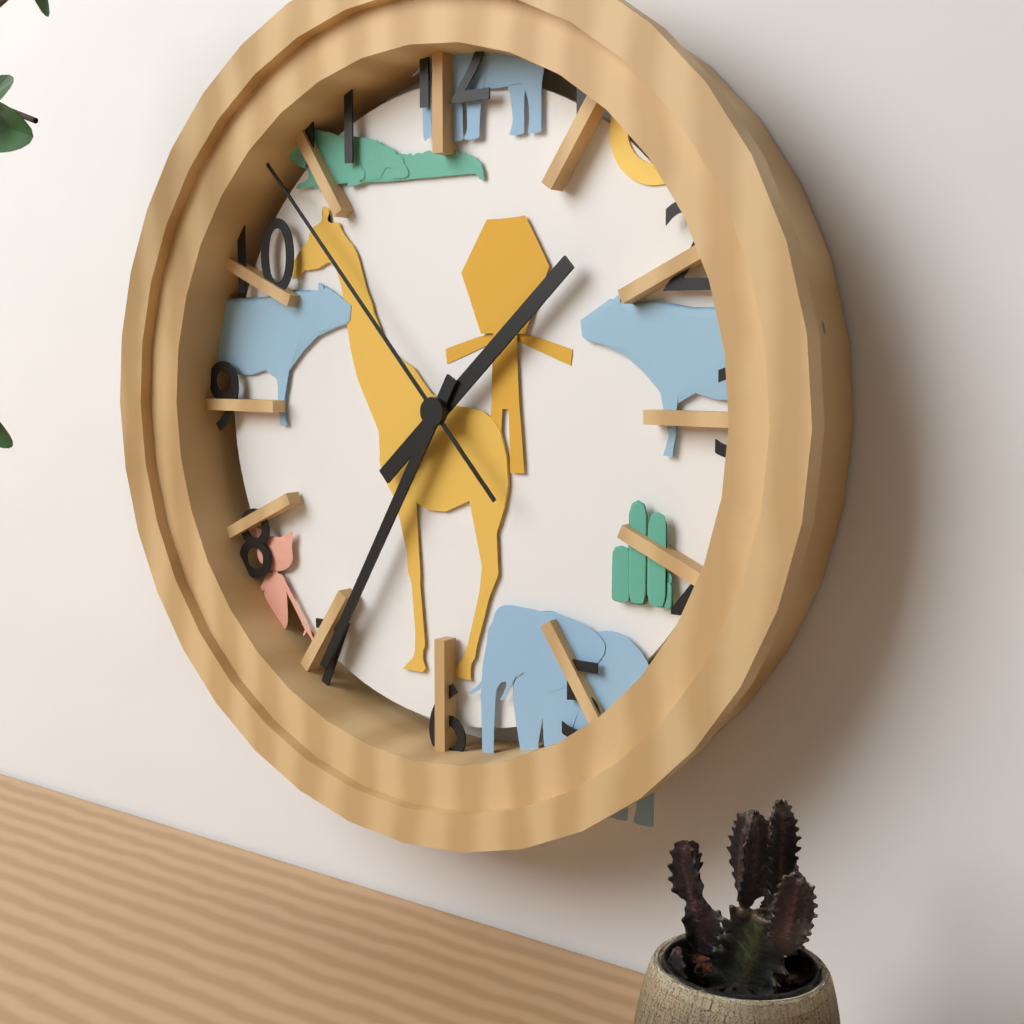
1,35,53
